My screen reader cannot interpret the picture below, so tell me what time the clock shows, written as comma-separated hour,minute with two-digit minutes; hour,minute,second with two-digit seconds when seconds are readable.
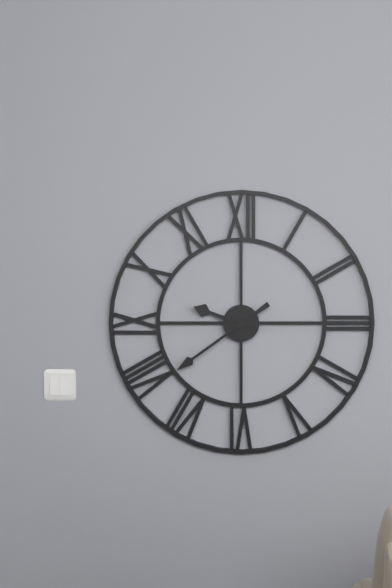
9,39
